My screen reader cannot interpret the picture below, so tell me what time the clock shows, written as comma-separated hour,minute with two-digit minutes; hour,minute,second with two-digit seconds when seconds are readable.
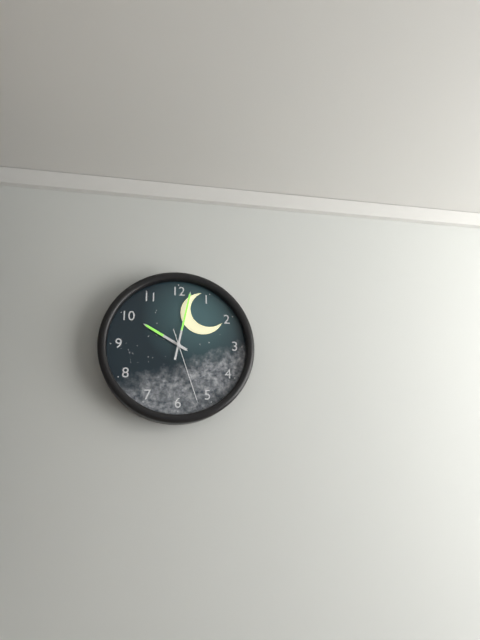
10,02,27
